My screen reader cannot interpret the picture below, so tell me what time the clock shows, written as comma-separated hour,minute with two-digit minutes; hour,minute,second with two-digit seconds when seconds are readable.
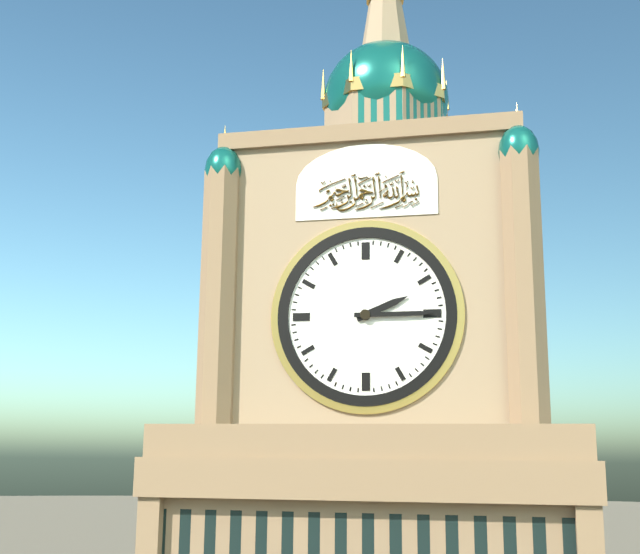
2,15
